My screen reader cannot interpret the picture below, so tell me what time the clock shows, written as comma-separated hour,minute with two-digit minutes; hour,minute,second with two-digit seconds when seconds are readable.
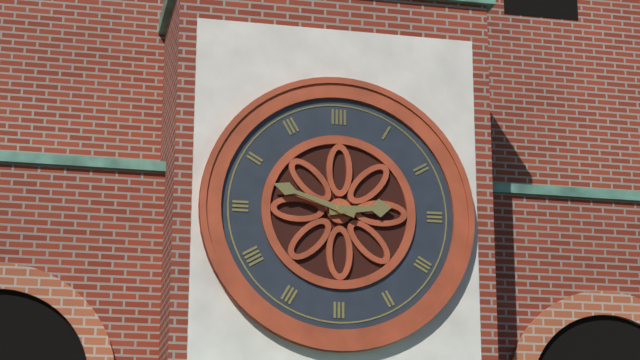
2,48
